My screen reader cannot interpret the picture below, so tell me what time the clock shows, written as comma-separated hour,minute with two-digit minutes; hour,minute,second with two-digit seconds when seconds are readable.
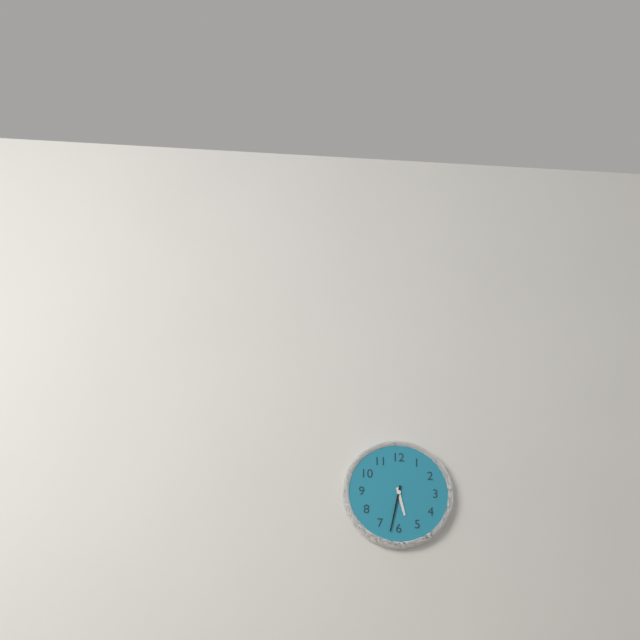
5,32
